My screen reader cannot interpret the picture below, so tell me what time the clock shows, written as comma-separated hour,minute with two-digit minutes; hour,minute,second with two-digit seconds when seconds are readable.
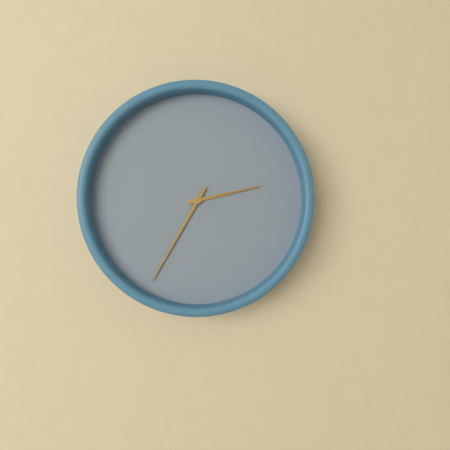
2,35
